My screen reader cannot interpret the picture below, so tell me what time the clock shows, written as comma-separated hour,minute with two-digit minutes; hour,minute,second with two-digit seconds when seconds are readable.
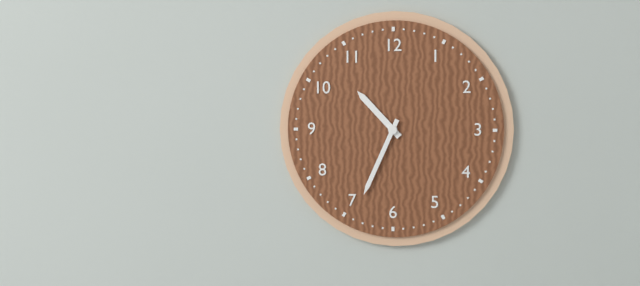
10,34
